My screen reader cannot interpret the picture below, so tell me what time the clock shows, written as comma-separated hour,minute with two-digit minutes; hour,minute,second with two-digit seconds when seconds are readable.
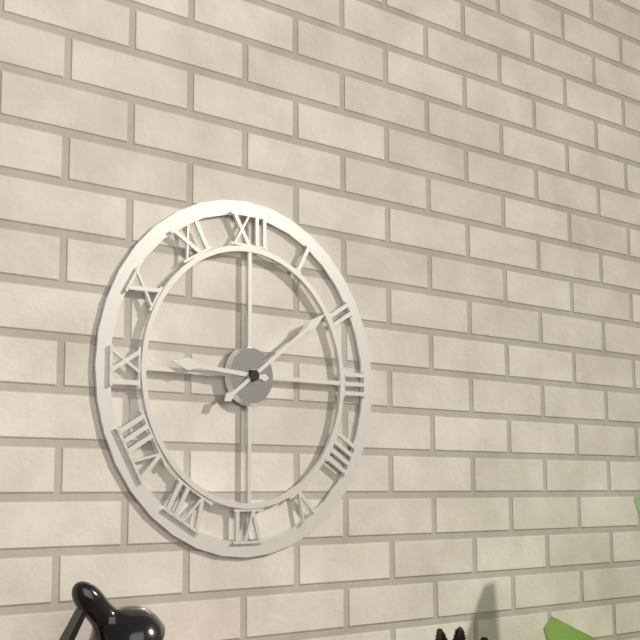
9,09
